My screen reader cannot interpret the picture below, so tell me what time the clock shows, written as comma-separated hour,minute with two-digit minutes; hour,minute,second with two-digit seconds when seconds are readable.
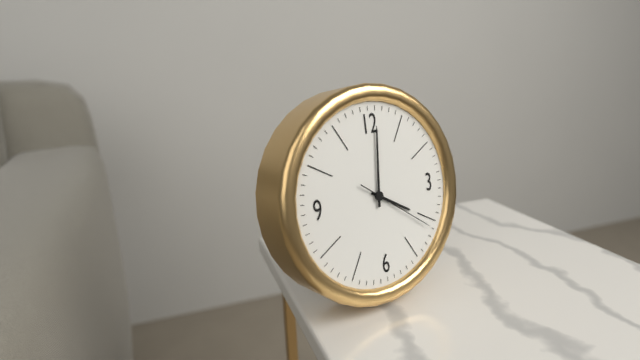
4,01,21
